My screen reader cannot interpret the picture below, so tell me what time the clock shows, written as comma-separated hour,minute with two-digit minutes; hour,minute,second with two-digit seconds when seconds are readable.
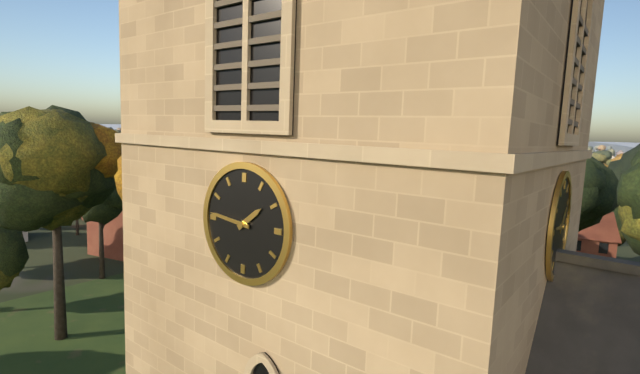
1,46
